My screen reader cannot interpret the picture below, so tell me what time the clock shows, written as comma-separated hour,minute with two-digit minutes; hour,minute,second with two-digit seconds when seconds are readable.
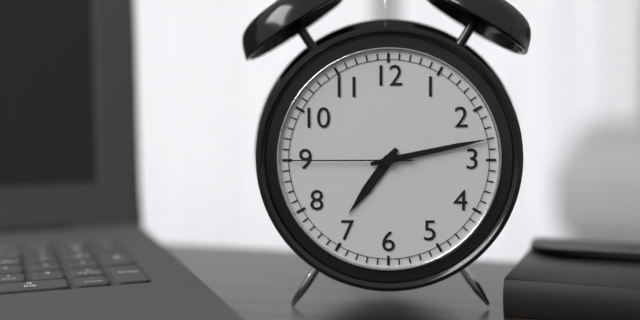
7,13,45
